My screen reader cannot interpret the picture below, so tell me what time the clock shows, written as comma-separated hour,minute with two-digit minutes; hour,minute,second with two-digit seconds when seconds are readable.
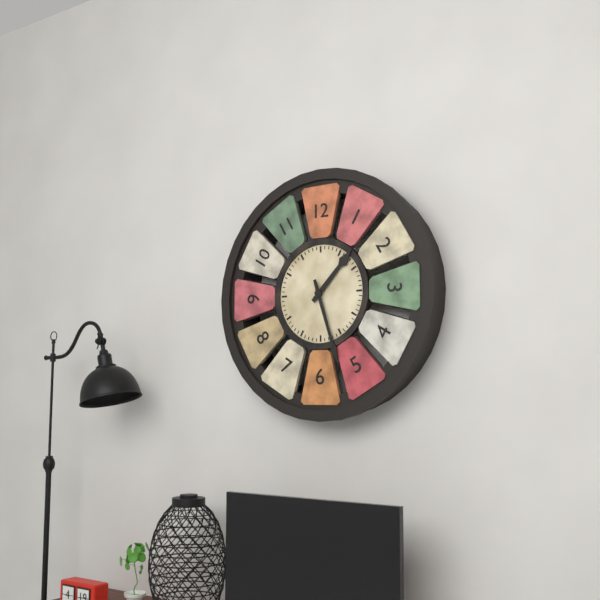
1,27
